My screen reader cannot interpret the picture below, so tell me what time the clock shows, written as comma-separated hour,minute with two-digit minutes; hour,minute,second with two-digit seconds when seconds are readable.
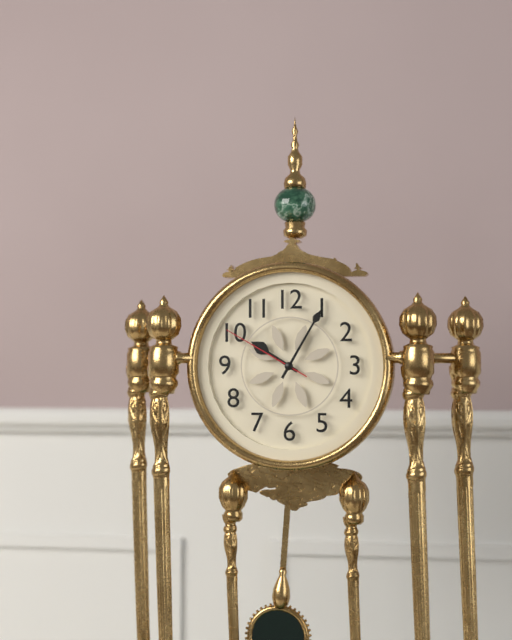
10,05,50
